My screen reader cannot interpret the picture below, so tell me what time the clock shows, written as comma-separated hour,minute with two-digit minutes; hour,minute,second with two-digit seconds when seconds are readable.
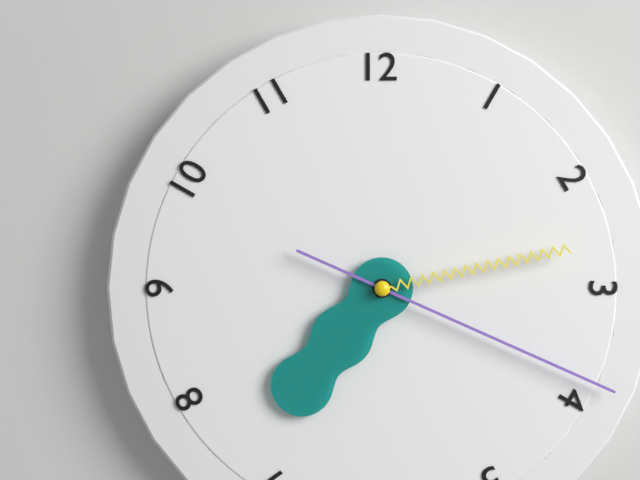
7,19,13
